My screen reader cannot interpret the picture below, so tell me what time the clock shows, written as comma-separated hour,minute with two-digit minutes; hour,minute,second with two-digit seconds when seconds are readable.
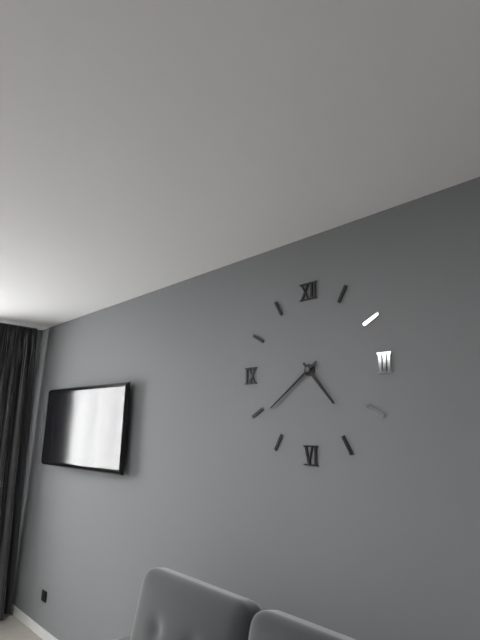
4,39
